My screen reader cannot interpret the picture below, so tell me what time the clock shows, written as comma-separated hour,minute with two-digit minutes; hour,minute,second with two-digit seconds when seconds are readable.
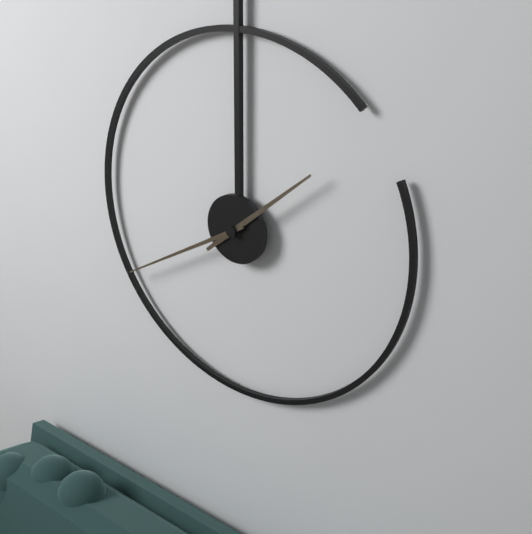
1,40
